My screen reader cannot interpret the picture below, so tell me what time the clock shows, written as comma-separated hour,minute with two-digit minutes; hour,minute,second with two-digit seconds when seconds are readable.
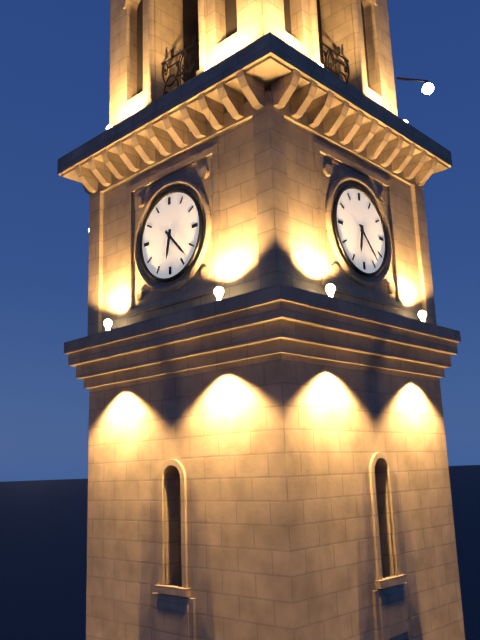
6,23
